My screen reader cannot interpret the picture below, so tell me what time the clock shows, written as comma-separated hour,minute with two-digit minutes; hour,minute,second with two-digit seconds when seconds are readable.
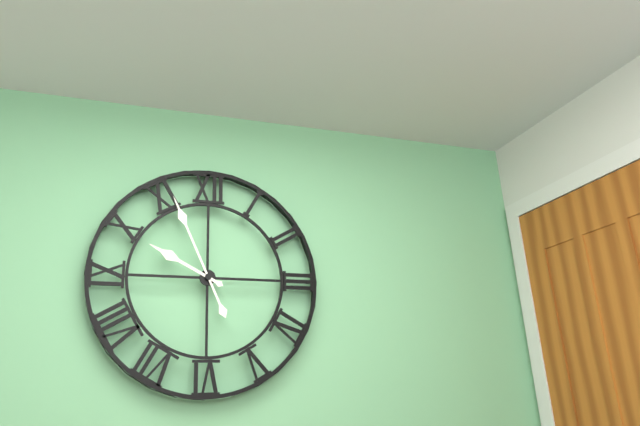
9,56
